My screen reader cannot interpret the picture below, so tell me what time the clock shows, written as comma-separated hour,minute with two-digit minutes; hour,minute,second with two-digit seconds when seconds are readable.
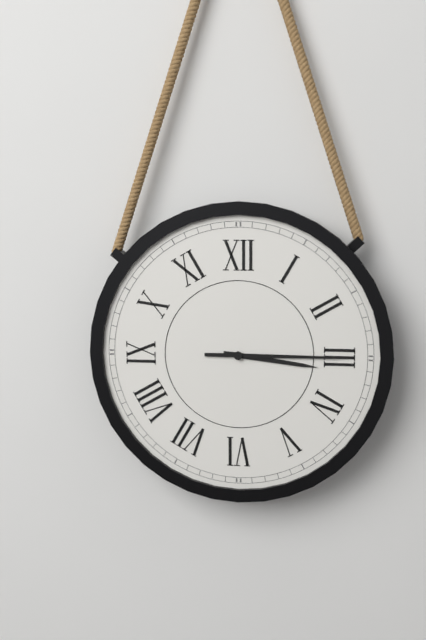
3,15
